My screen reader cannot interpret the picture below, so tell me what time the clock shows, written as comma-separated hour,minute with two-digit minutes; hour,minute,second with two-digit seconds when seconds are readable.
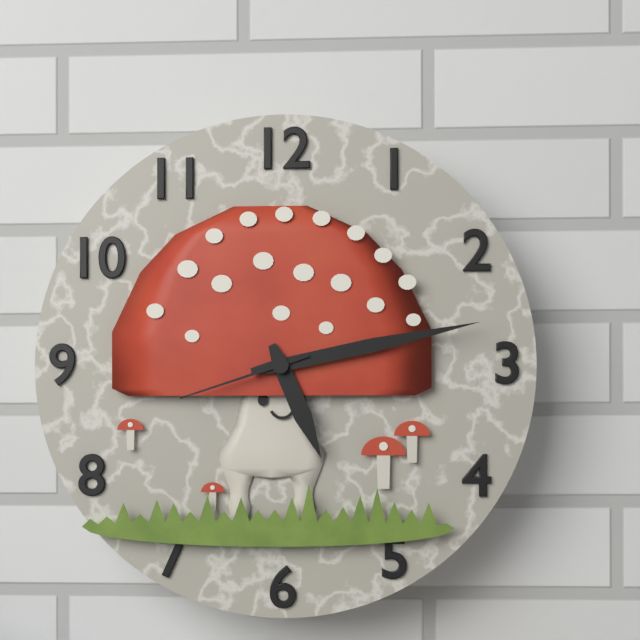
5,13,42
